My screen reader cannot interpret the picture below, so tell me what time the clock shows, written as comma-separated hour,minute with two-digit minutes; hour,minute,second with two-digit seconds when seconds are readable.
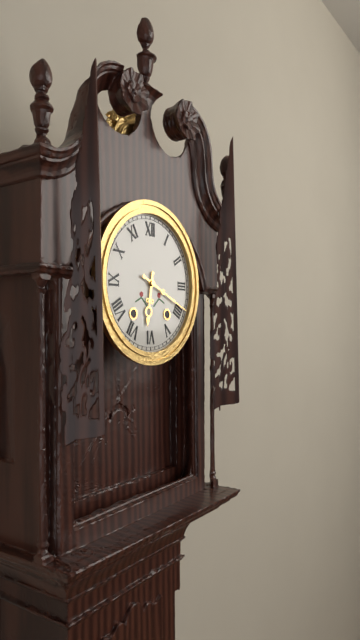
6,19
